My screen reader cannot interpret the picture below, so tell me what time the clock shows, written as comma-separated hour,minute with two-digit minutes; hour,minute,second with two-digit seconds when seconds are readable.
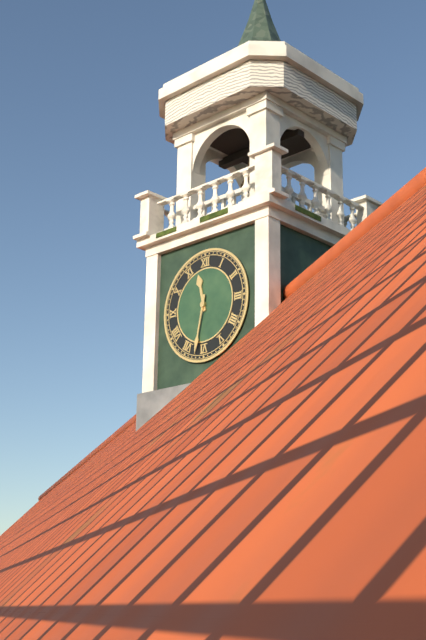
11,32
